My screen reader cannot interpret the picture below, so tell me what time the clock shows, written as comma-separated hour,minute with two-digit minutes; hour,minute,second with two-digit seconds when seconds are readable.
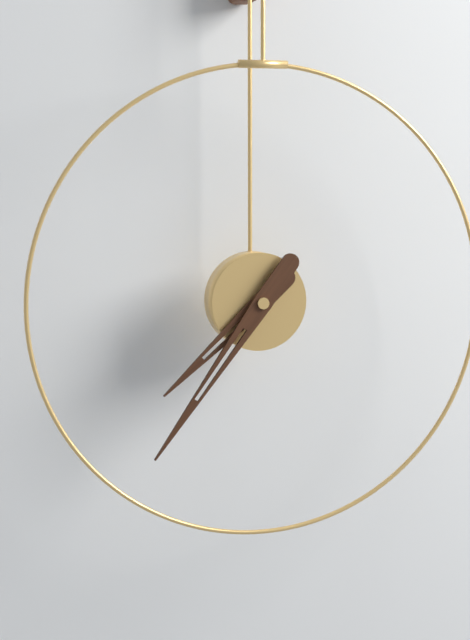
7,36
